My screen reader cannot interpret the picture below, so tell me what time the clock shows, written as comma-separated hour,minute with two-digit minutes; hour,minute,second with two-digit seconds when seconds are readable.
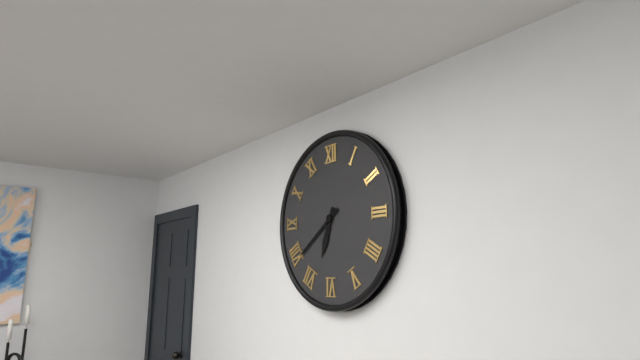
6,39
